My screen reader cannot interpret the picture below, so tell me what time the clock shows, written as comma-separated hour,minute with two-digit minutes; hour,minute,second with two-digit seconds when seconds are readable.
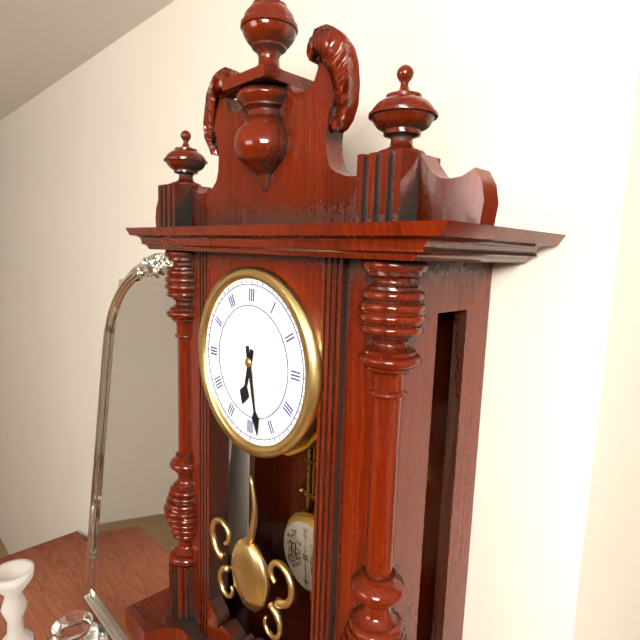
6,28
